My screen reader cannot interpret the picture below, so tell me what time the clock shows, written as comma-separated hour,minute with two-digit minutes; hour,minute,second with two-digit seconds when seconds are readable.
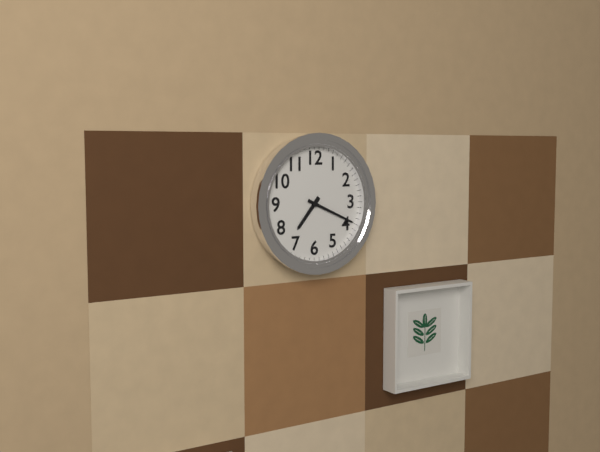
7,19
